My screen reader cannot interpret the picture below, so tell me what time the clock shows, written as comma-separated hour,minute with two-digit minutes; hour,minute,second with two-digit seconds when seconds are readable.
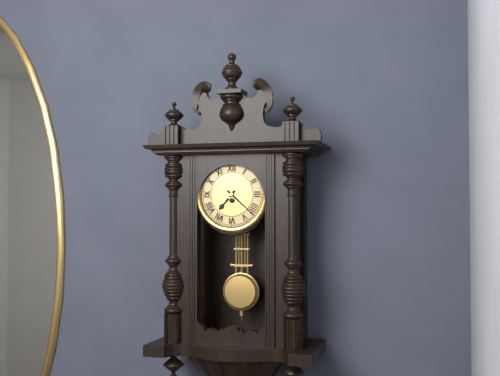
7,22
